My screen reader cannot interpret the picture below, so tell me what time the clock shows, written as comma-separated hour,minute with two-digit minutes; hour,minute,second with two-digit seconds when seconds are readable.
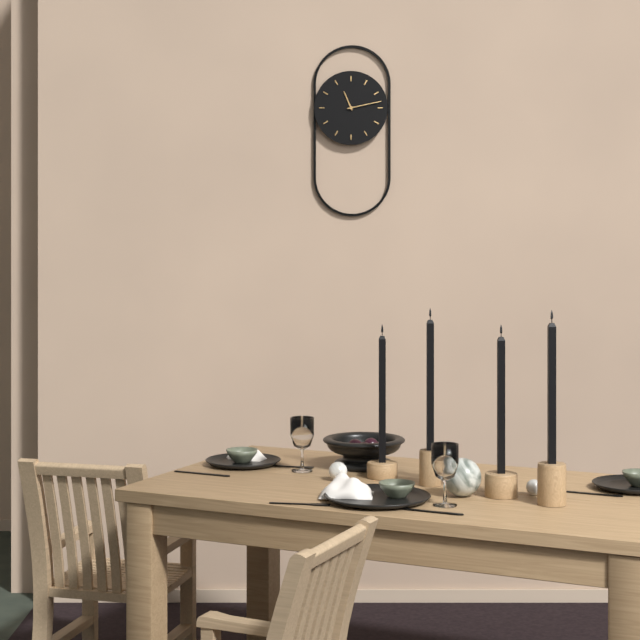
11,13
